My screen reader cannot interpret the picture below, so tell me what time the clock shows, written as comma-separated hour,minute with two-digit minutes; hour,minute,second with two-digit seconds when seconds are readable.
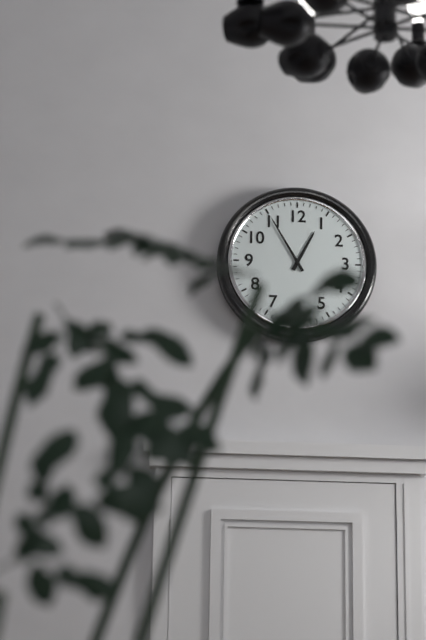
12,55
